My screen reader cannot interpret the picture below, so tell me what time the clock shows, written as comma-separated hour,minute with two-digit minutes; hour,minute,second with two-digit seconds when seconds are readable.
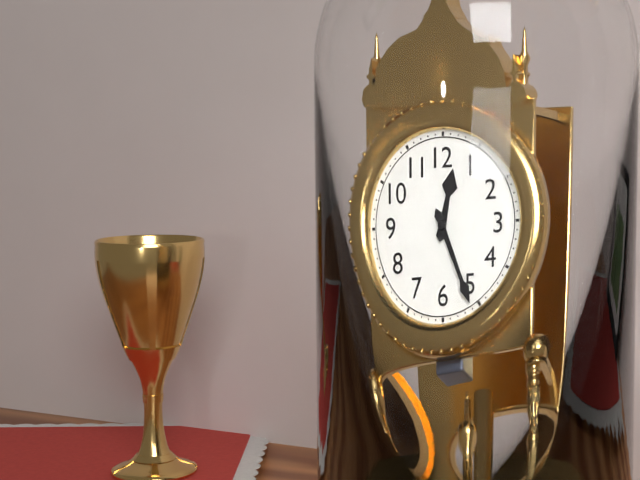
12,26
